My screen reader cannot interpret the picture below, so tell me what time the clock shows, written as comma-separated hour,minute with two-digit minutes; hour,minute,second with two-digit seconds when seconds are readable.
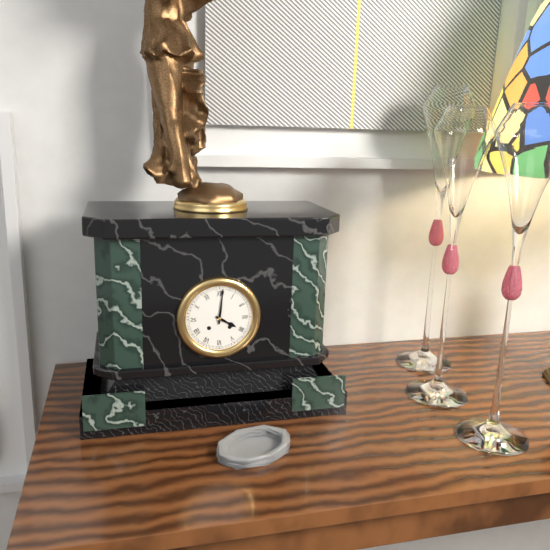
4,01
